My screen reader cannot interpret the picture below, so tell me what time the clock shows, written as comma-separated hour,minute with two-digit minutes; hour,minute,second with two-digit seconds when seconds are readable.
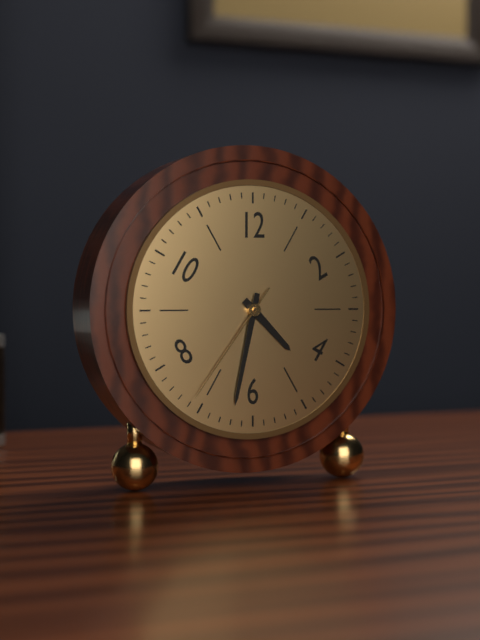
4,32,36
